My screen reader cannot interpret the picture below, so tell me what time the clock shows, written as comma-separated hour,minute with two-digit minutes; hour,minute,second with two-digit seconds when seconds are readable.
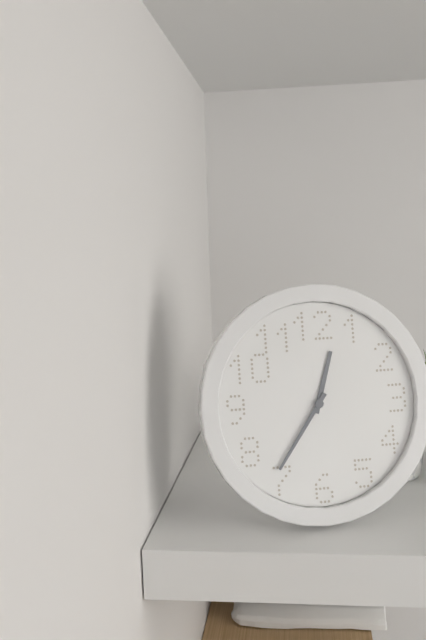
12,36
